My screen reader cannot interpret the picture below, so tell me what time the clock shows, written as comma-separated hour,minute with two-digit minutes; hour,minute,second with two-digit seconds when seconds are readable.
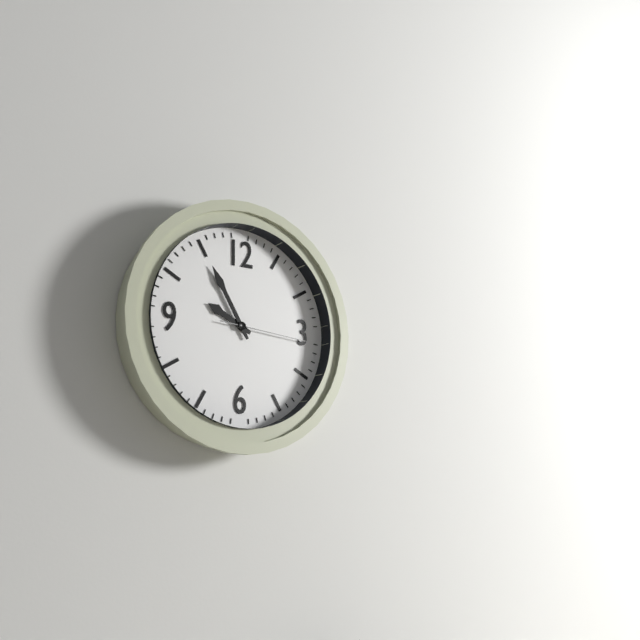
9,55,16
